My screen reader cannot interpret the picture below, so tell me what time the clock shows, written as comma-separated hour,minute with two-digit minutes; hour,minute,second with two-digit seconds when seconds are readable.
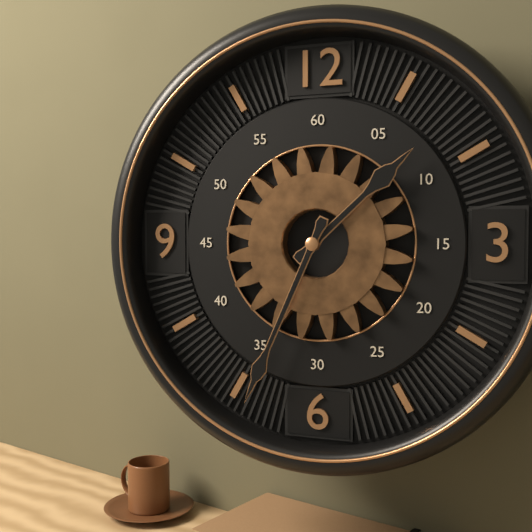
1,34
